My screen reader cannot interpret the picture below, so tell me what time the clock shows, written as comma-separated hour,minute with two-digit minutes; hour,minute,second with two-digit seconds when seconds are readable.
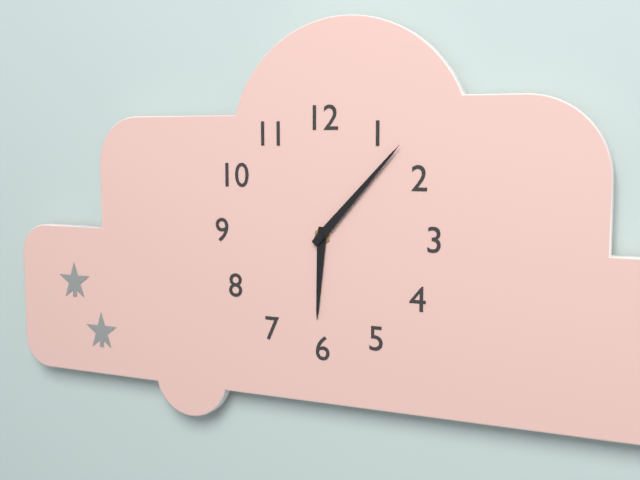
6,07
